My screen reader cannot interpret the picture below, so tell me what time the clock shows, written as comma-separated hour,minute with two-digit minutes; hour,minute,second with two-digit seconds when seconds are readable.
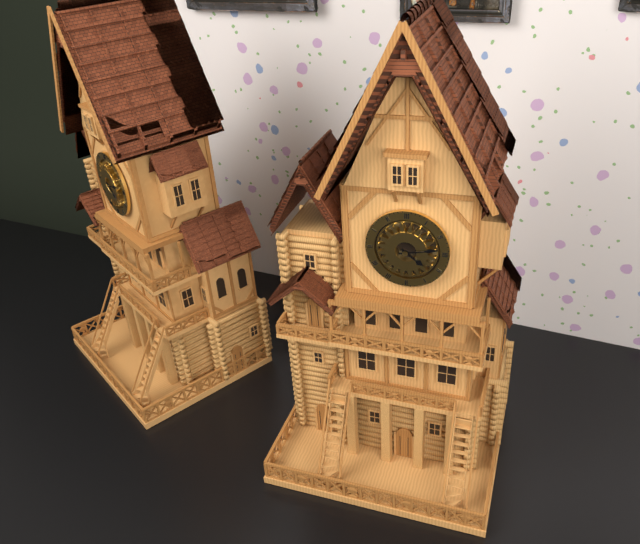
4,13
